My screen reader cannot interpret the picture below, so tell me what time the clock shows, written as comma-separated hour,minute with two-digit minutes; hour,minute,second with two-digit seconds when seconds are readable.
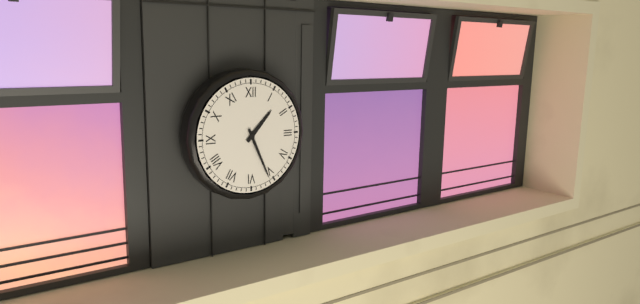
1,26
